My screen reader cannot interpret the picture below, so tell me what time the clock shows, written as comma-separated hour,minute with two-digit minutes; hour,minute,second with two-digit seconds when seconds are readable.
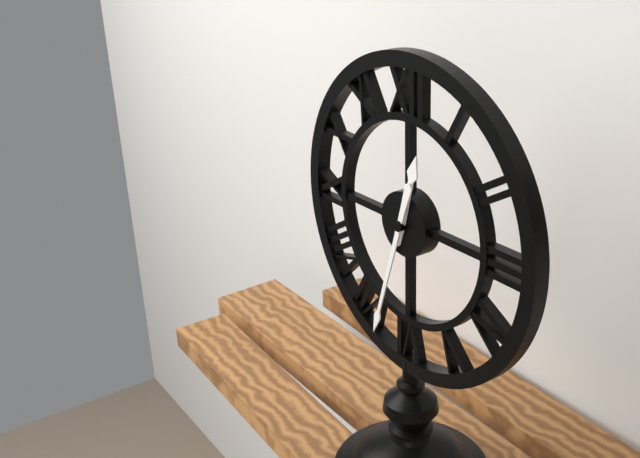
12,33
